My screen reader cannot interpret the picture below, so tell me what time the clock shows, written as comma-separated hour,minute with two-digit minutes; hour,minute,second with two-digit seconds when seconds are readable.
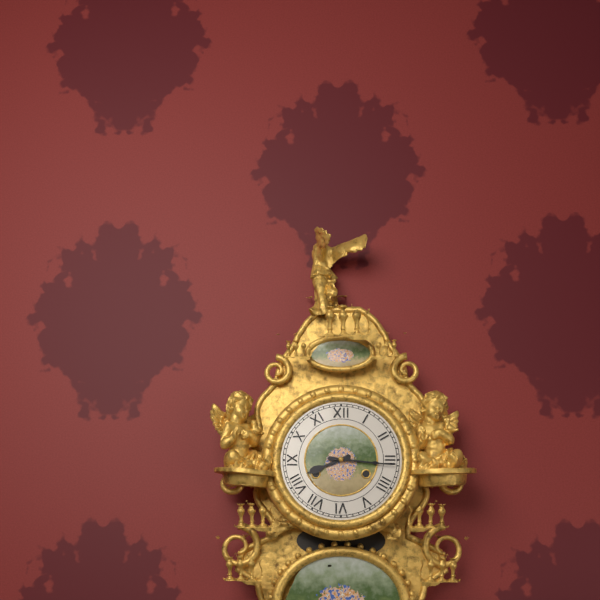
8,16
